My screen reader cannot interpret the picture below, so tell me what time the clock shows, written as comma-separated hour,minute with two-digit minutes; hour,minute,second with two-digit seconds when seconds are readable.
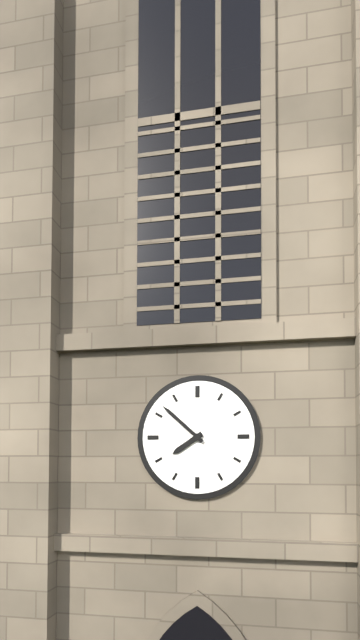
7,52
